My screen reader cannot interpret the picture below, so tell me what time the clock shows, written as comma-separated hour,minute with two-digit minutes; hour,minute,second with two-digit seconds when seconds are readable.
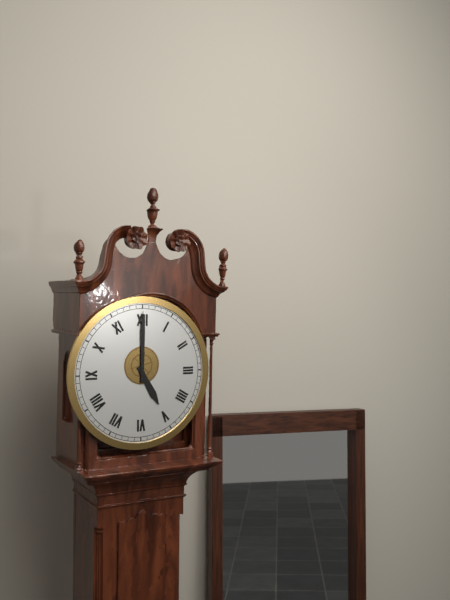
5,00
